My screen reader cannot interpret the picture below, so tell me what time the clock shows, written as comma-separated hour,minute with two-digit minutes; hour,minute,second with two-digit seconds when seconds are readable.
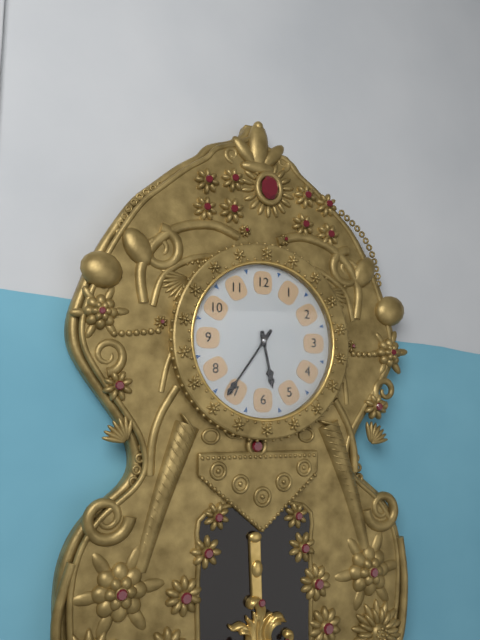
5,36
